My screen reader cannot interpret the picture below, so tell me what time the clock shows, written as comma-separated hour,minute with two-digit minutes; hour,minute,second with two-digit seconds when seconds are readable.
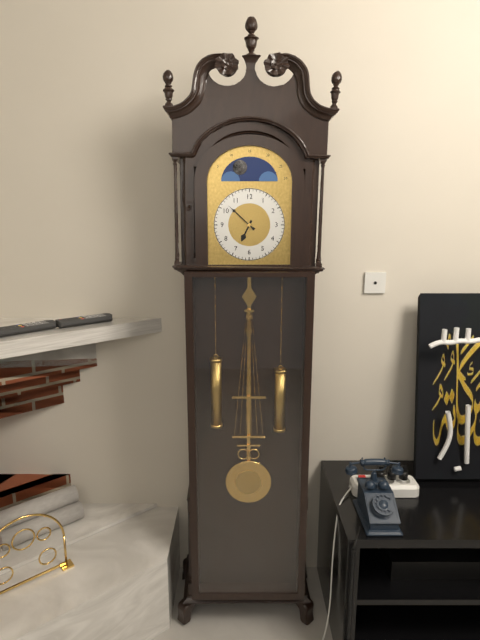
6,52
